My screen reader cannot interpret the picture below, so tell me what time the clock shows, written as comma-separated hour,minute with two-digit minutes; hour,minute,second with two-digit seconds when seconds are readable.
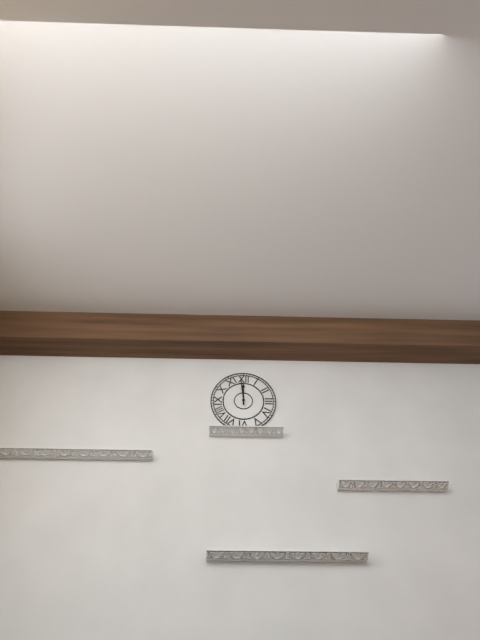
11,59
